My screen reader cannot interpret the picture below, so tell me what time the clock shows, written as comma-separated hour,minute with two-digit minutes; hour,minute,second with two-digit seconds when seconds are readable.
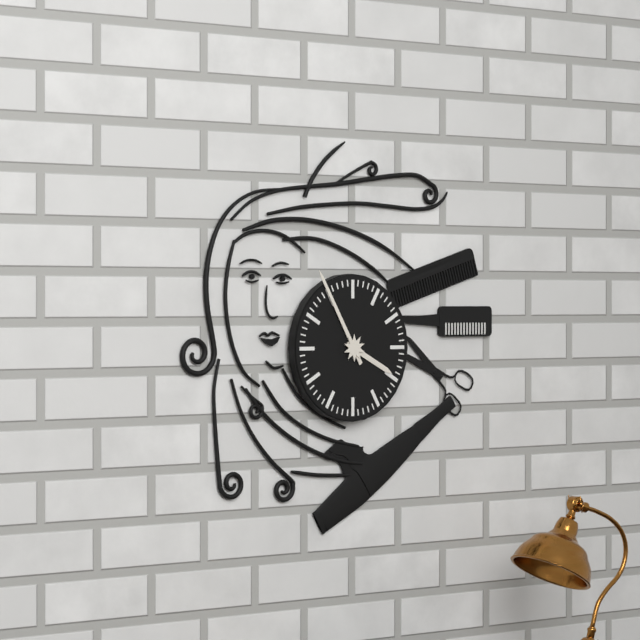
3,55
